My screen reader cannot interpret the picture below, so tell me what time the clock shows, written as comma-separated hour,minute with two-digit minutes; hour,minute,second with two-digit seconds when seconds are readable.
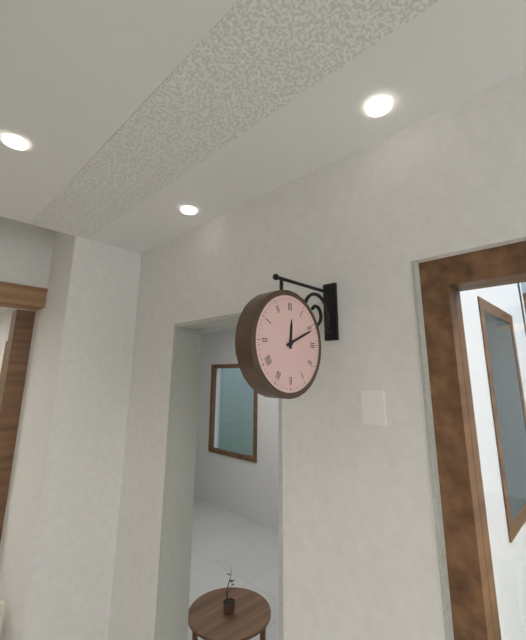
12,11
